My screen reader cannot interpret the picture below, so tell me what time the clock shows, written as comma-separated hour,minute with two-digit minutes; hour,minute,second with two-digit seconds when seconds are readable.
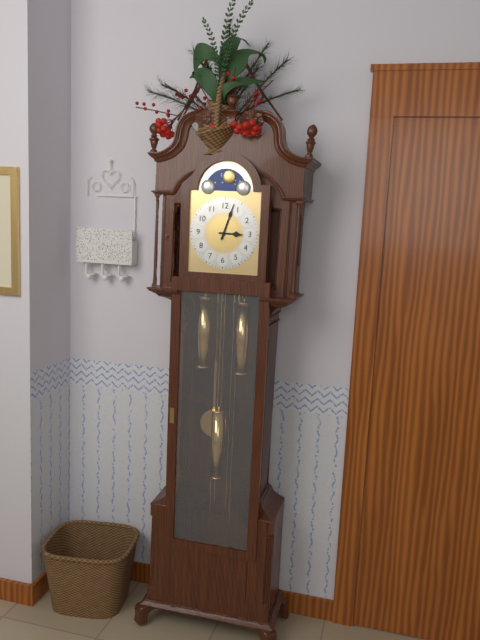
3,03
